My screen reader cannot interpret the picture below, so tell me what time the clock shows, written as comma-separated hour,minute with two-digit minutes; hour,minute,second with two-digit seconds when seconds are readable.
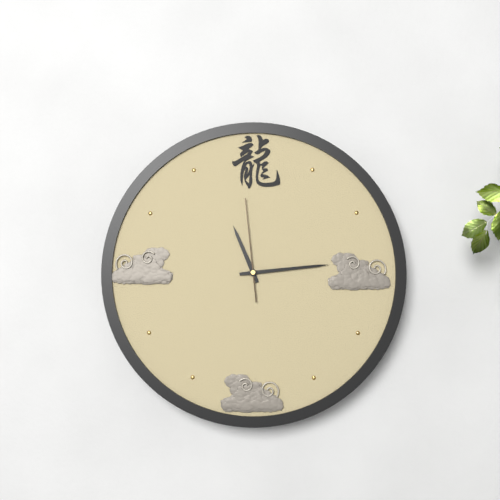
11,14,59
